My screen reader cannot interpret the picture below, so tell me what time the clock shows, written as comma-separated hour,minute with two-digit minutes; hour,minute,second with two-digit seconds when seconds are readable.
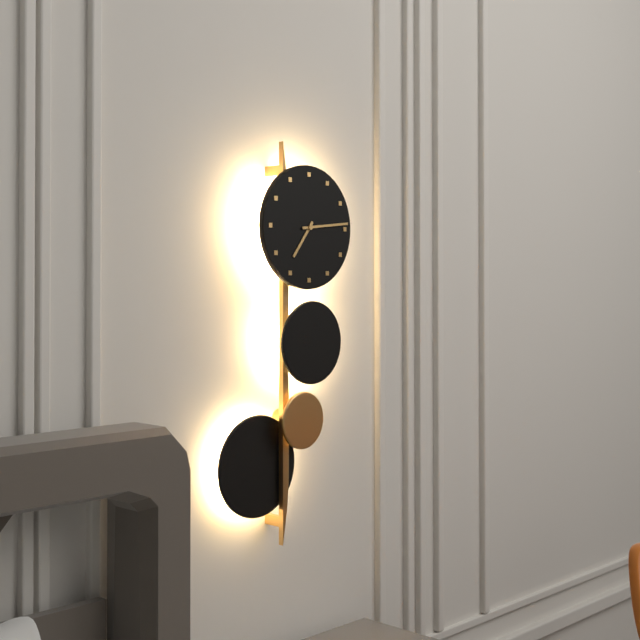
7,14
